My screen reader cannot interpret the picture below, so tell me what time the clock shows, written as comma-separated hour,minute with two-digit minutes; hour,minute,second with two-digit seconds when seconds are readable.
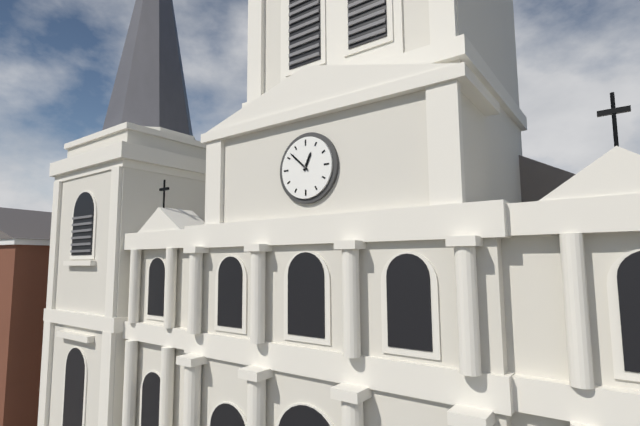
12,52
